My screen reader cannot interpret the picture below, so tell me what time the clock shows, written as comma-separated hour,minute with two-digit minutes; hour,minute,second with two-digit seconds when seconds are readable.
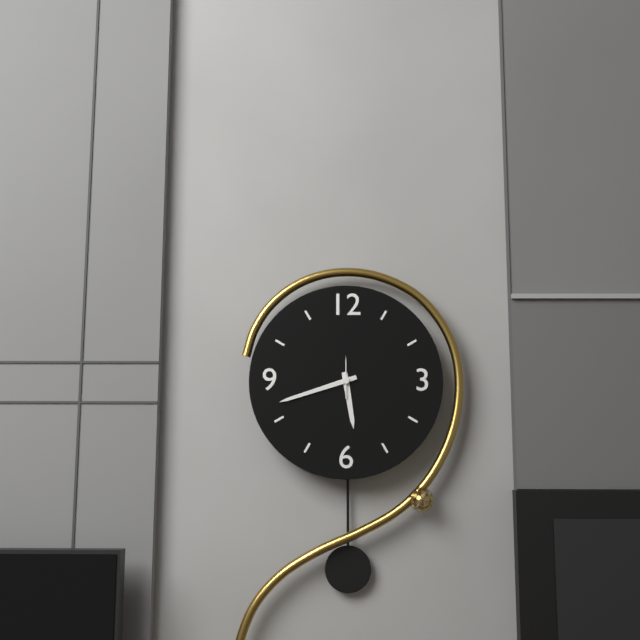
5,42
